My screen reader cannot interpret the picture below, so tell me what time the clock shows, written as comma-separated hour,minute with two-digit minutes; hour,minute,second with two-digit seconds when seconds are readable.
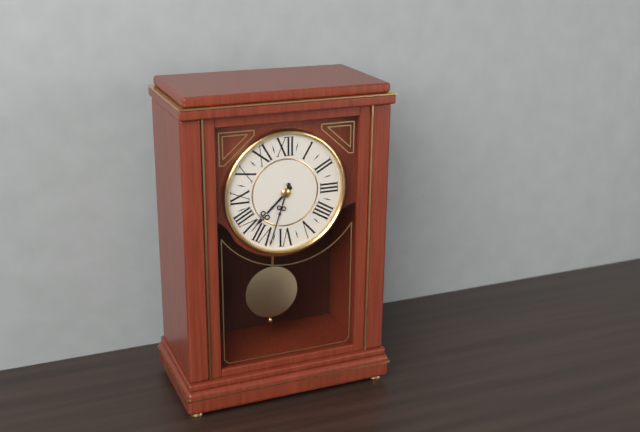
7,33
